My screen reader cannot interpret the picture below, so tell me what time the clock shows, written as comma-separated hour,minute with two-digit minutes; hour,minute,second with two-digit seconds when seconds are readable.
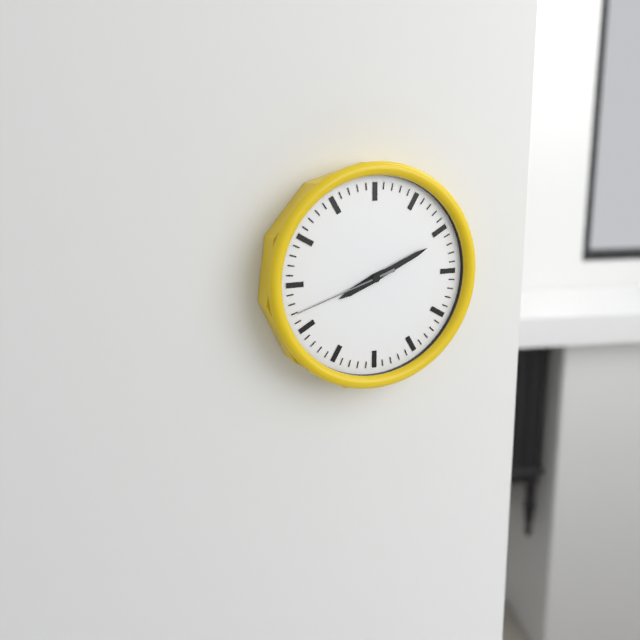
8,11,42
